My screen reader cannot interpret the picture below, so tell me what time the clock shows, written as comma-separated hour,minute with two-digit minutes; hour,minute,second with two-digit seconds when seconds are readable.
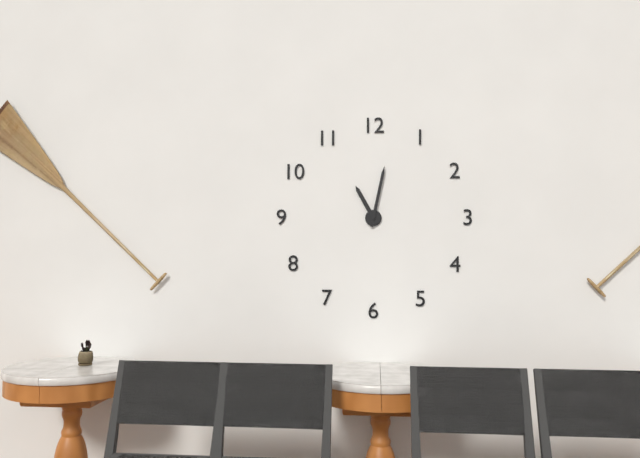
11,02
